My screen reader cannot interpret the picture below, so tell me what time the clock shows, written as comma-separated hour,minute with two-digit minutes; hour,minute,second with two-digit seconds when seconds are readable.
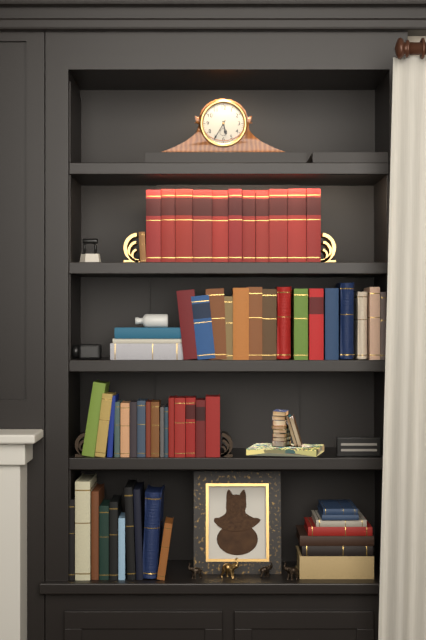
5,35
